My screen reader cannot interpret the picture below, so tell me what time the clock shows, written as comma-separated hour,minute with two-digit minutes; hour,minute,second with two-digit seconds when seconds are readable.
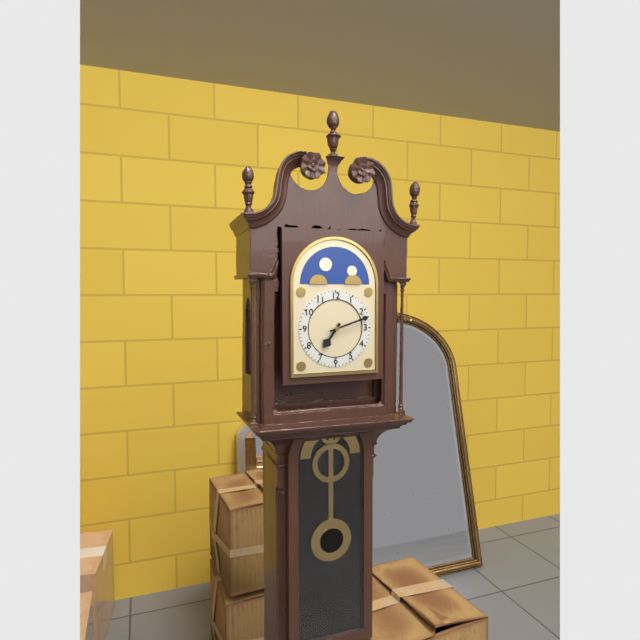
7,12
